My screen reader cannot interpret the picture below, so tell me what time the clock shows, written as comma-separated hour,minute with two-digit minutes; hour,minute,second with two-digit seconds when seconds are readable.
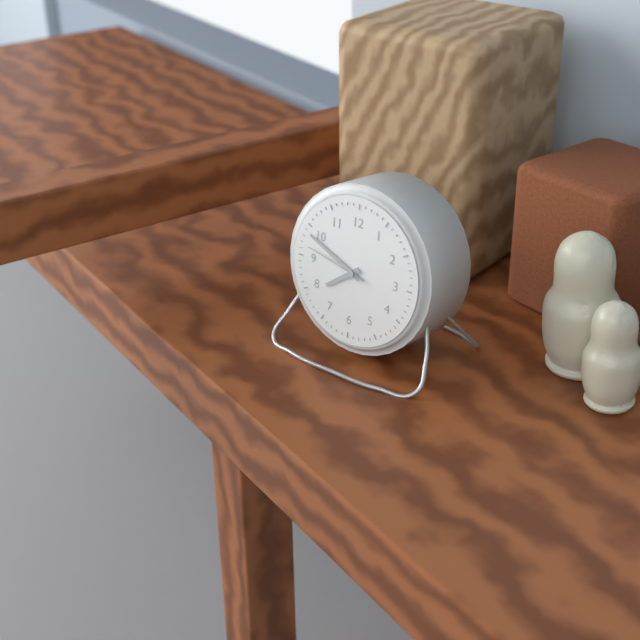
7,49,47
